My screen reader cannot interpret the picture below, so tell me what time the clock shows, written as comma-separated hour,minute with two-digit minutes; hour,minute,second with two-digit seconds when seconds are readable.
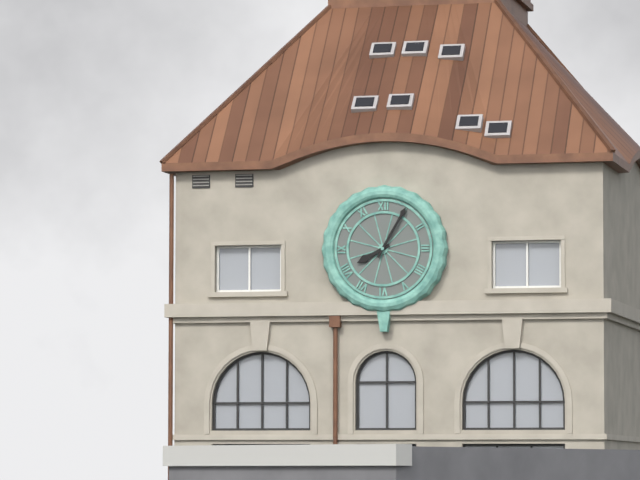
8,05
